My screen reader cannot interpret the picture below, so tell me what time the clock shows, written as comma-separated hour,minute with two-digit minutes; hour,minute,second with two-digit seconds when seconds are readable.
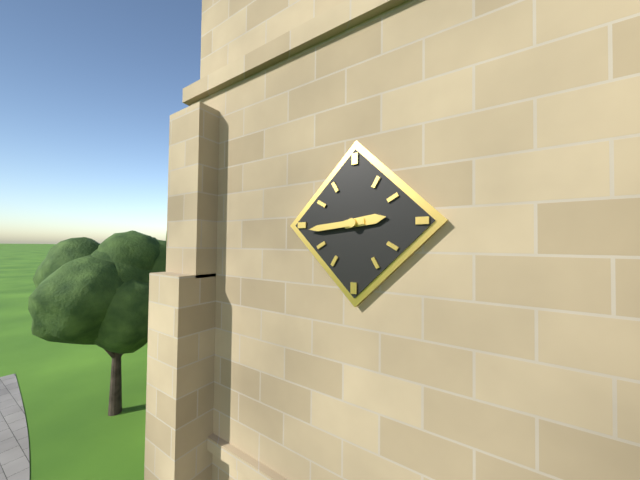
2,44
